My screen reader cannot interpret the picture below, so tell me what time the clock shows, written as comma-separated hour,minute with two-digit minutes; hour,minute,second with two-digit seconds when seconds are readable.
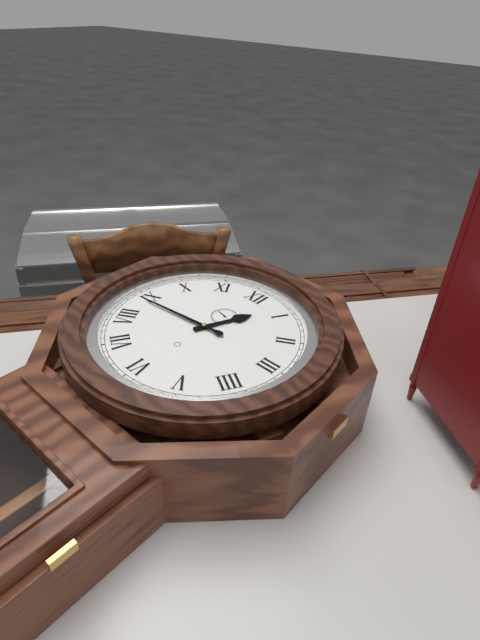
12,44
